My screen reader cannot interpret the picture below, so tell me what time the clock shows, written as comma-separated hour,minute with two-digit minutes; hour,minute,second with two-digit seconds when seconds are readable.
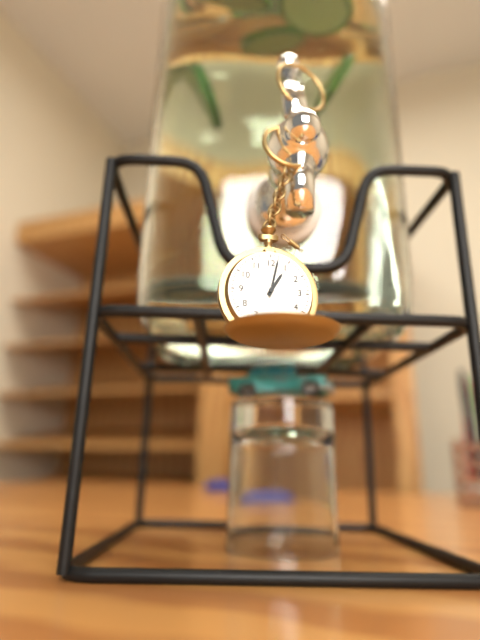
1,02
